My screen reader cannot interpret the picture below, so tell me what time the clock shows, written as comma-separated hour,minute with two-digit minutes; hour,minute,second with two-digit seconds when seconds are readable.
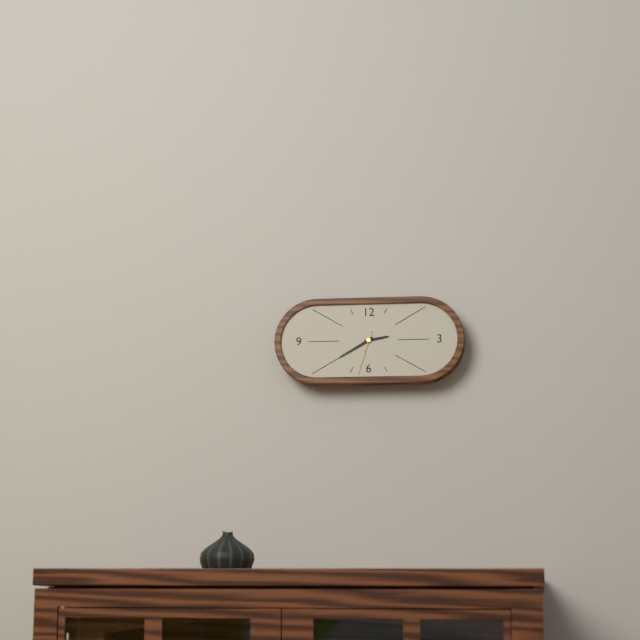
2,40
